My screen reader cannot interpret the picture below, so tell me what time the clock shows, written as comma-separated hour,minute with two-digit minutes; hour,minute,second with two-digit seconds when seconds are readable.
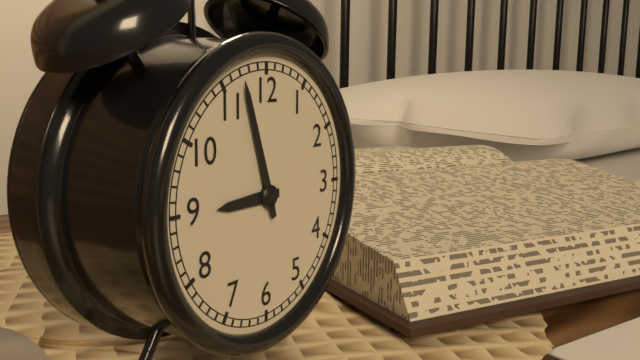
8,57
